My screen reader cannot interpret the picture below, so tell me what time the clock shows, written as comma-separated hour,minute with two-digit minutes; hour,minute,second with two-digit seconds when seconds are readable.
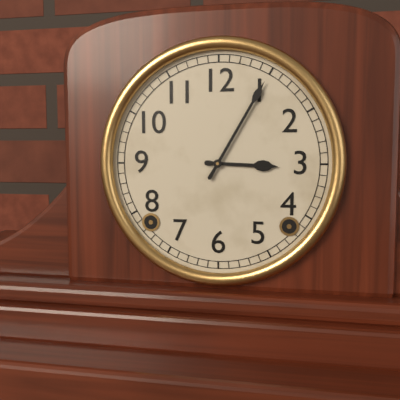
3,05
